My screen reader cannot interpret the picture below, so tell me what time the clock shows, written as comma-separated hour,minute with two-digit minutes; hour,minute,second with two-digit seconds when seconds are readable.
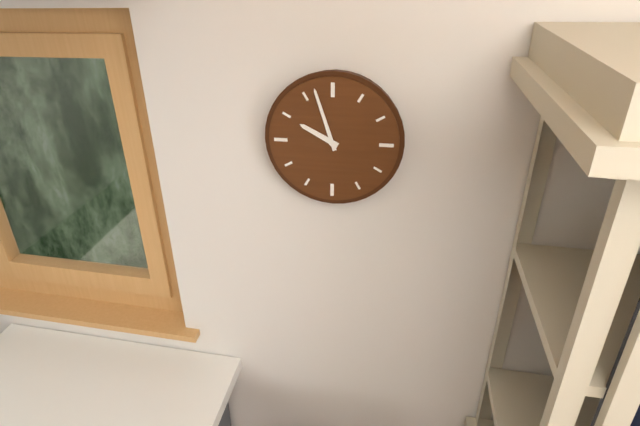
9,57
